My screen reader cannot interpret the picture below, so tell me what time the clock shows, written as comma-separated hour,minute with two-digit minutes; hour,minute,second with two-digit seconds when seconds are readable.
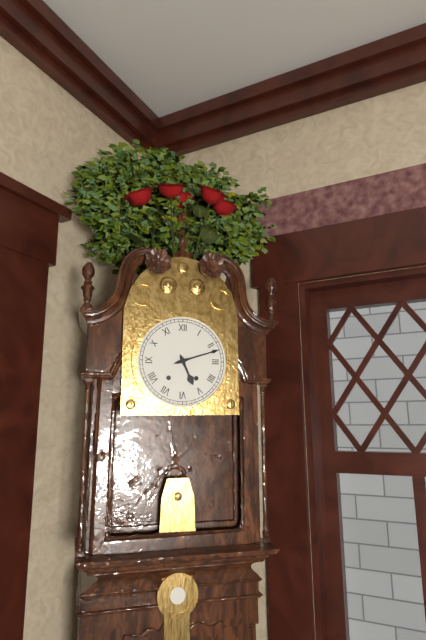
5,12
